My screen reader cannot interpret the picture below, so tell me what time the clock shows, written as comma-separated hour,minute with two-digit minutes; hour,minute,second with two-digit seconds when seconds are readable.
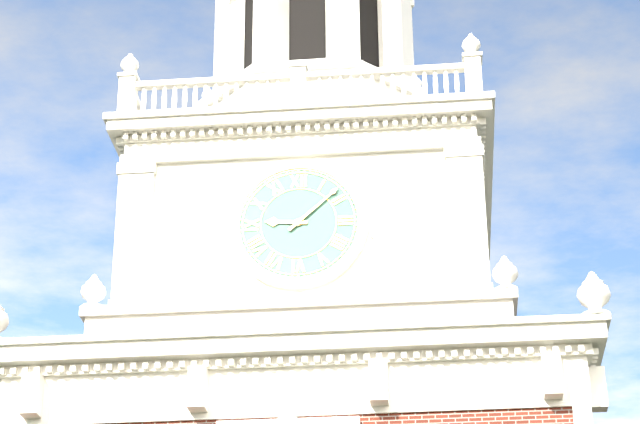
9,08
